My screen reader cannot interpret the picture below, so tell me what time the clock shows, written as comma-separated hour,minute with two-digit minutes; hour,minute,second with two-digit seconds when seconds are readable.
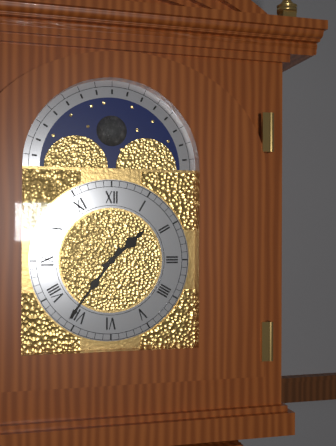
1,36
